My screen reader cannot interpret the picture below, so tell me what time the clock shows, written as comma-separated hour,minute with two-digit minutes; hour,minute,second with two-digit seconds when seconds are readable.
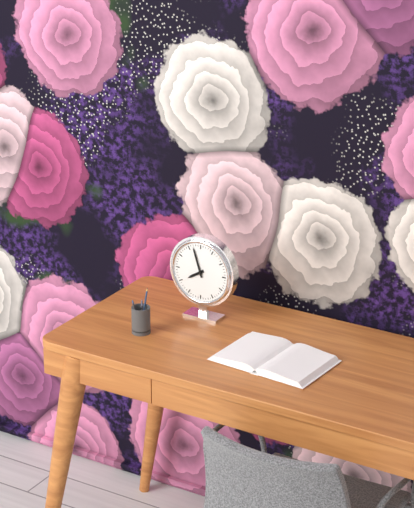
7,57
